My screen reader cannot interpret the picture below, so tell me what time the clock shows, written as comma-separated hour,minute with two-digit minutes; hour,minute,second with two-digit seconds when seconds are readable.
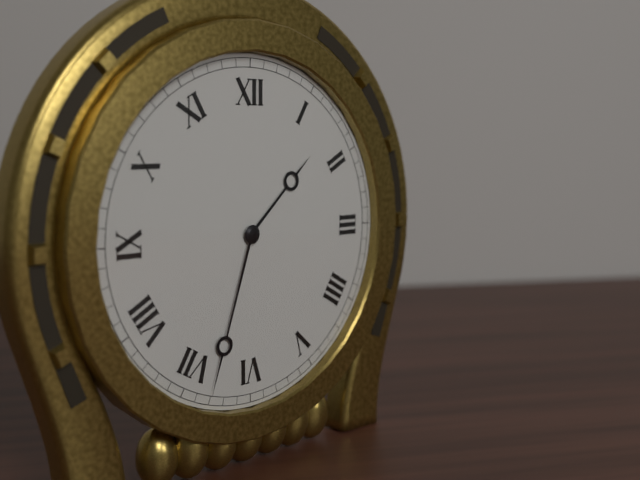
1,33
